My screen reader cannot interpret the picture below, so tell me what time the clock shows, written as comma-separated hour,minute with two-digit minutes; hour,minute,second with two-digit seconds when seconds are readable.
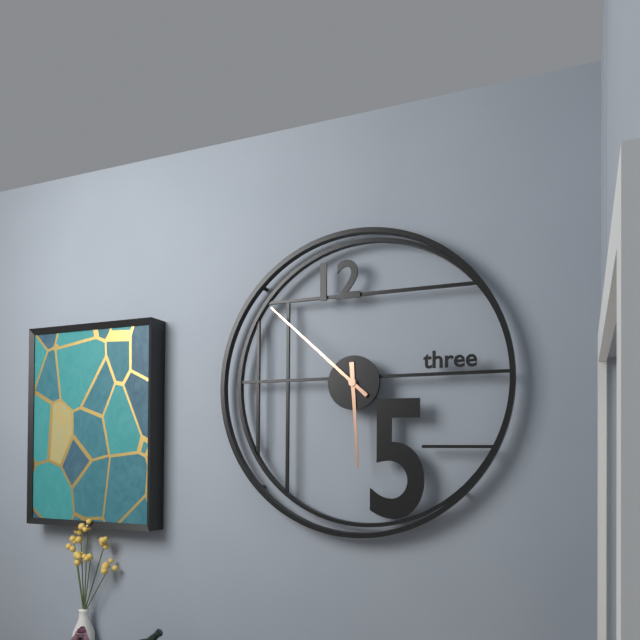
5,52
